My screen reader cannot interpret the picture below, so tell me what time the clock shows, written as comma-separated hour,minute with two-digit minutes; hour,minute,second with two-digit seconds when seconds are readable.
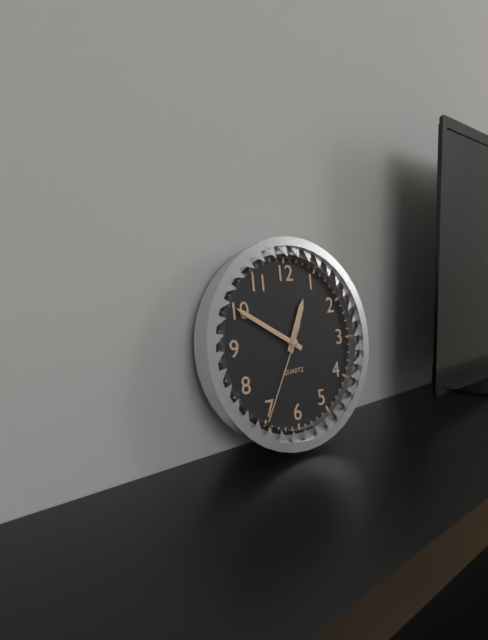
12,50,35
